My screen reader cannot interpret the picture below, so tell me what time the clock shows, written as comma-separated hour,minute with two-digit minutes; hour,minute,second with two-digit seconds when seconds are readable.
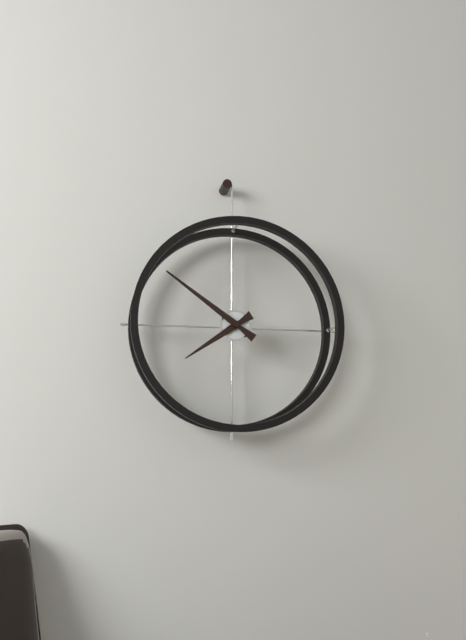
7,51
